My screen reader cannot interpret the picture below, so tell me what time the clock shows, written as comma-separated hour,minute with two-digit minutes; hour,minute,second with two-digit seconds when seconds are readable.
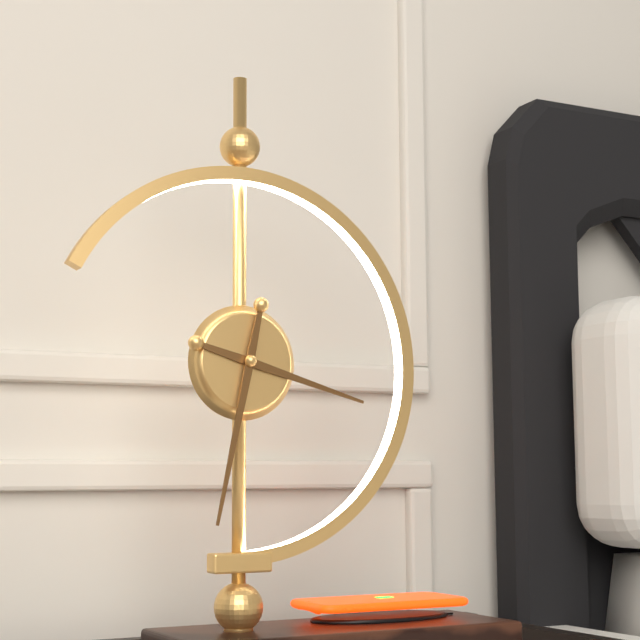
3,32
